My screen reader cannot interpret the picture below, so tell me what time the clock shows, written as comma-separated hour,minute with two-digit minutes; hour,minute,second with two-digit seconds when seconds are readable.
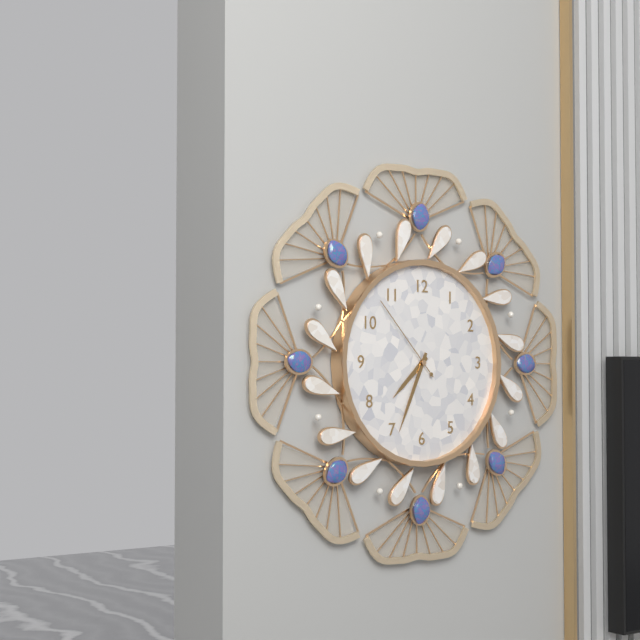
7,34,53
